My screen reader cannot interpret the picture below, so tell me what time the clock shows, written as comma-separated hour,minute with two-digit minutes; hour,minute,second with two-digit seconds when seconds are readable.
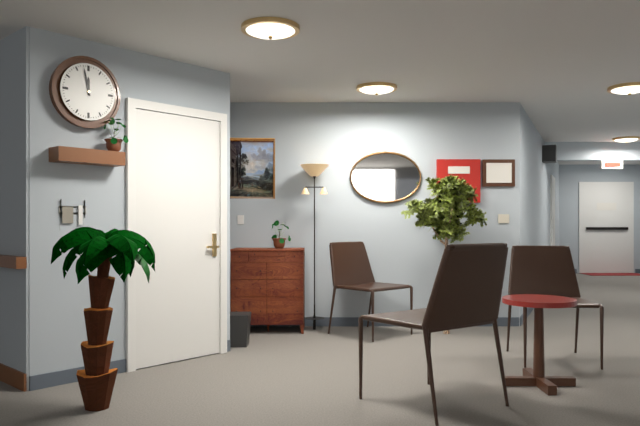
11,58
